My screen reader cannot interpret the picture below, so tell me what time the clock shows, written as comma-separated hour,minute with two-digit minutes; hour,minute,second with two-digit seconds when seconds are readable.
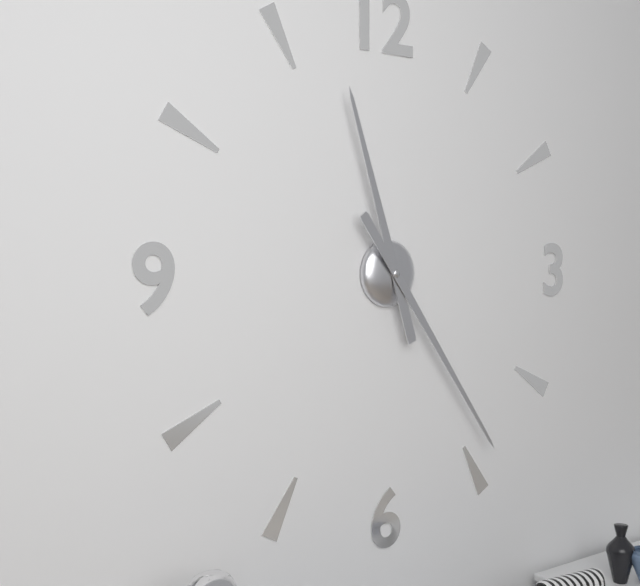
11,24
